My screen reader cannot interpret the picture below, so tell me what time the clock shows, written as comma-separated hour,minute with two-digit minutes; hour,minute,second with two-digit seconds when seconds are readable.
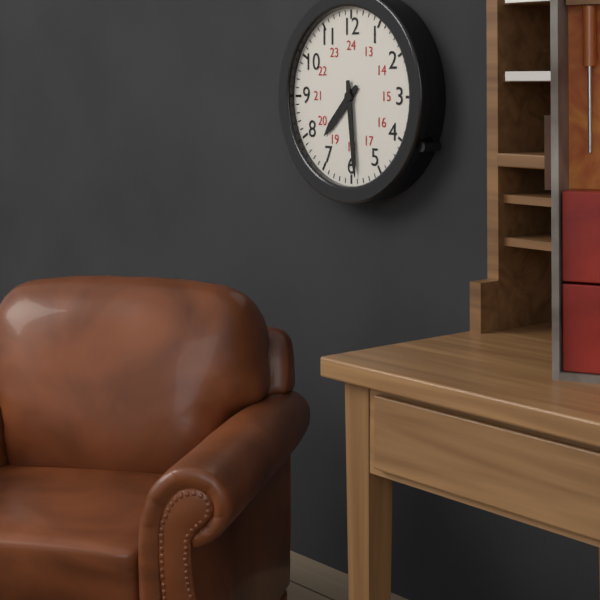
7,29
